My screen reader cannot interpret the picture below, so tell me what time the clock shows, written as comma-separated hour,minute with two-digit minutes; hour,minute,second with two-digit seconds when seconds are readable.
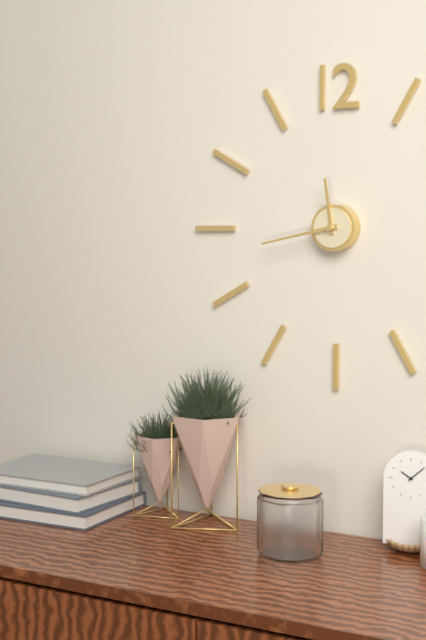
11,43
